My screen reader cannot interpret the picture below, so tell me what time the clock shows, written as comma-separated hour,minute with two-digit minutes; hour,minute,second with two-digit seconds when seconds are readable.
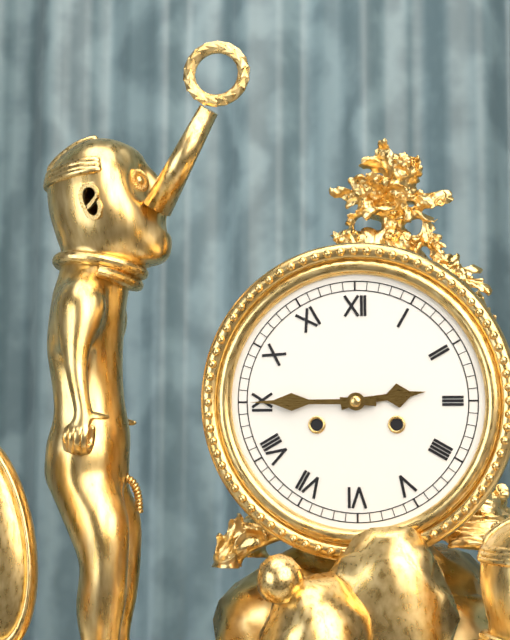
2,45
